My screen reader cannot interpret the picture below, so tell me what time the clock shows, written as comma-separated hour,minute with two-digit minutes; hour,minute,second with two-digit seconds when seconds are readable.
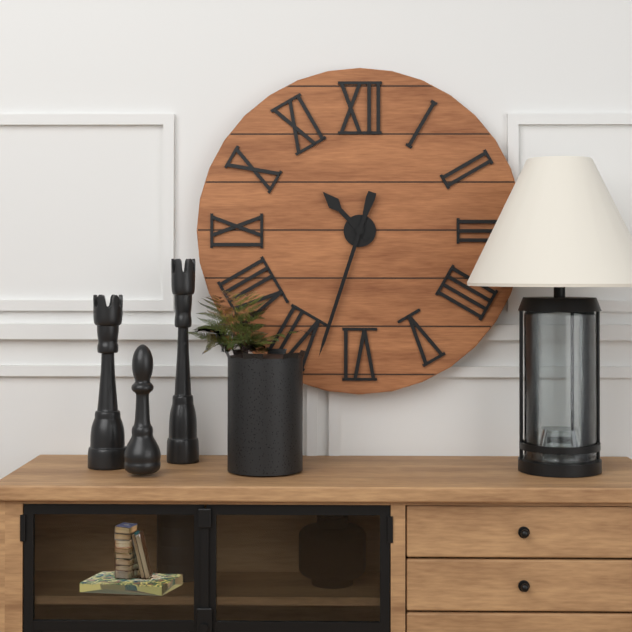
10,33
